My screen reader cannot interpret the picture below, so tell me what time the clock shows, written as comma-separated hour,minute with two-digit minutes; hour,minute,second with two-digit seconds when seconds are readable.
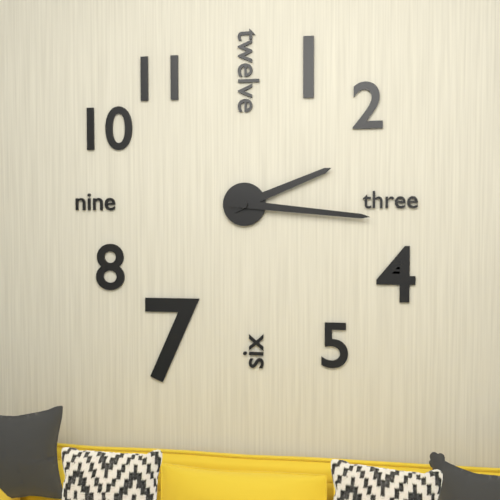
2,16
